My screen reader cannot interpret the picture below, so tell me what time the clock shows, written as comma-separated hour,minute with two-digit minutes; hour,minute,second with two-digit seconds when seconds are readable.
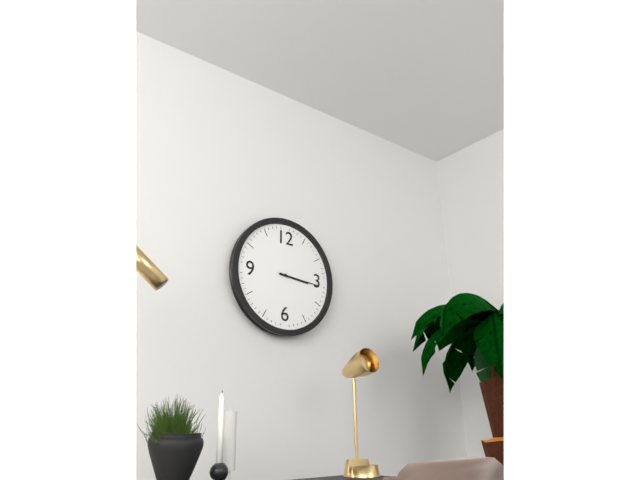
3,16
